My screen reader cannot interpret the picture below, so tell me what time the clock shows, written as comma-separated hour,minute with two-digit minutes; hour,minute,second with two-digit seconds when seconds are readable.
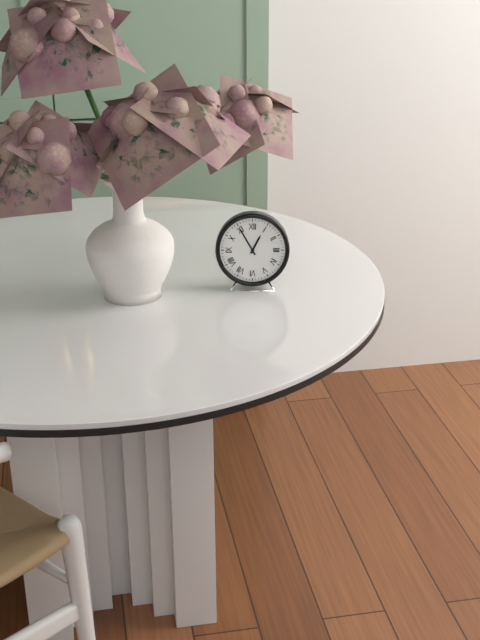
12,55
